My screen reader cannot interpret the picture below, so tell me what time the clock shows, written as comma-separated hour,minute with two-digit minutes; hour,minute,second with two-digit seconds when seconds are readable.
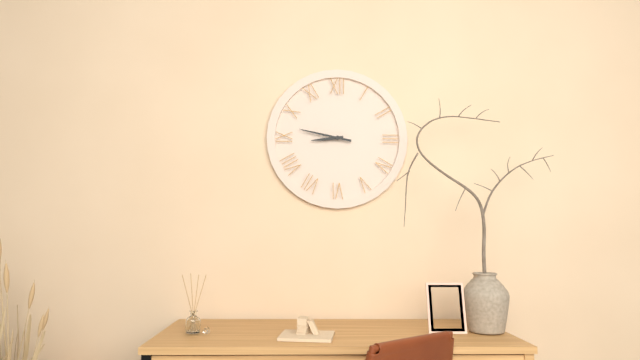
8,47
